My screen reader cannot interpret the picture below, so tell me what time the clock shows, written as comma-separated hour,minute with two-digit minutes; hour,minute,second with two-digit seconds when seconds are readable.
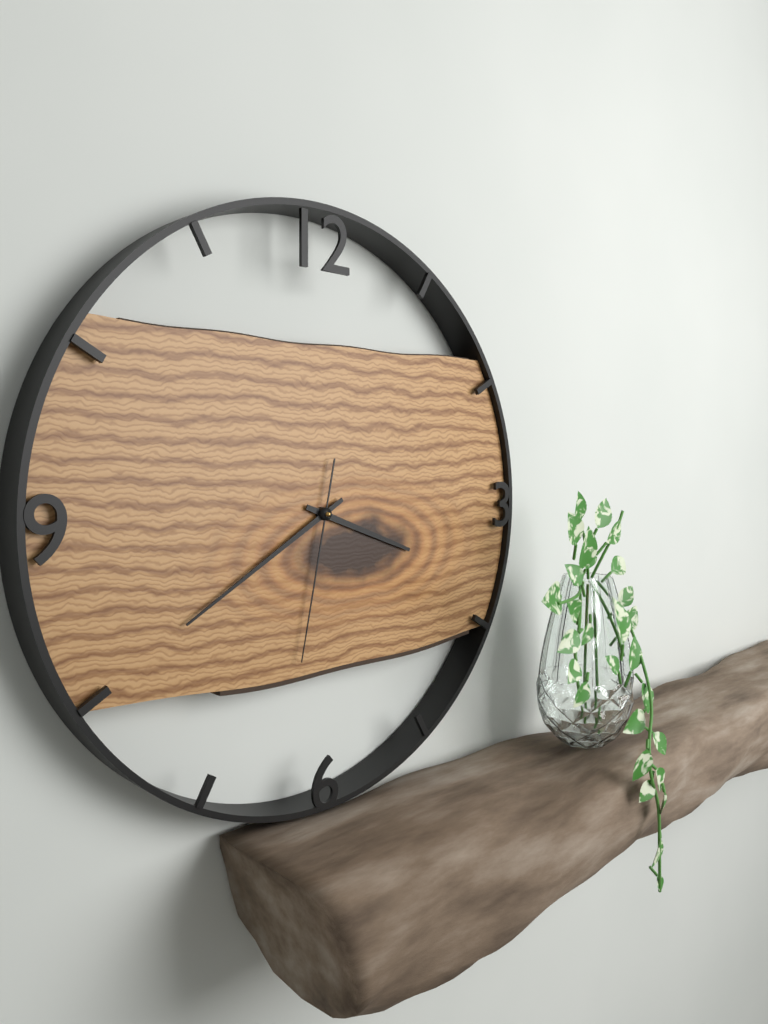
3,40,32
